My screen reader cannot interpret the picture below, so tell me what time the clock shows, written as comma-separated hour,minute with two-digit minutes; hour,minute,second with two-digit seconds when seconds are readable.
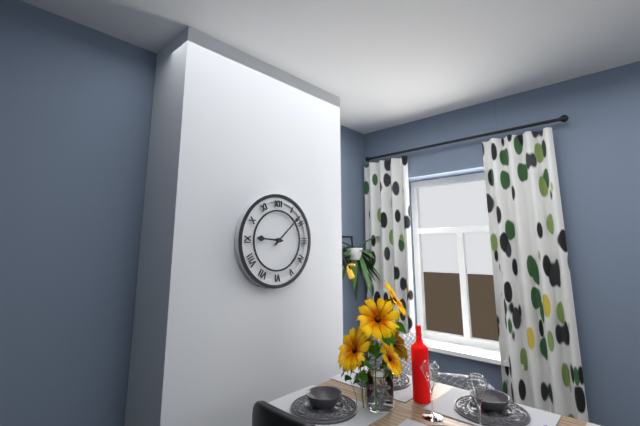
9,08
